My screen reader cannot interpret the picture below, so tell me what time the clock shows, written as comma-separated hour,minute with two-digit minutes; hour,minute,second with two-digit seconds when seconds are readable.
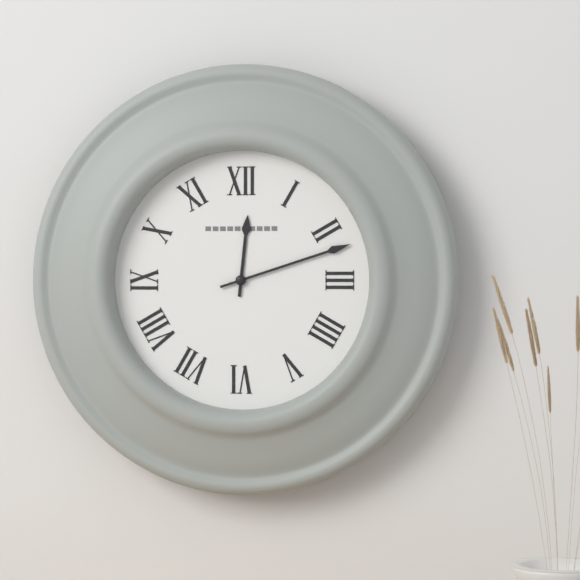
12,12
